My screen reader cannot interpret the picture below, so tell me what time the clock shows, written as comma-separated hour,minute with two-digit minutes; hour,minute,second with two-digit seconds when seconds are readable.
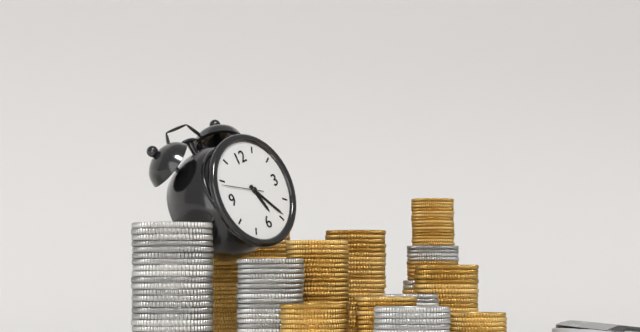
5,24
